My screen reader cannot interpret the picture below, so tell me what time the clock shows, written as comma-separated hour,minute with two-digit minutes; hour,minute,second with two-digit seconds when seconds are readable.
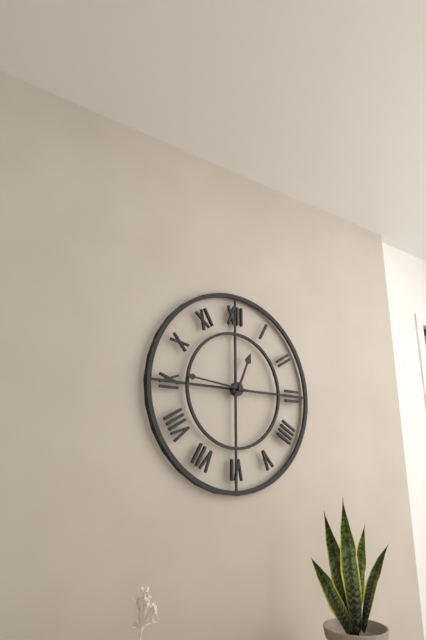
12,46
